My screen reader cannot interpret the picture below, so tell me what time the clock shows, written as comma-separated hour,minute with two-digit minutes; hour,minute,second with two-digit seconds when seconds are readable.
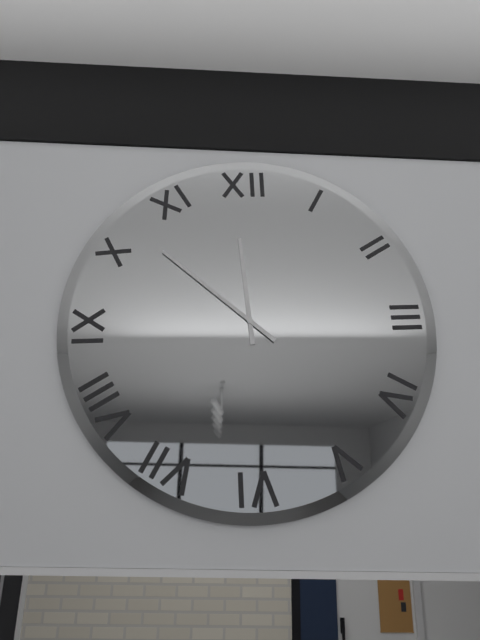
11,52
